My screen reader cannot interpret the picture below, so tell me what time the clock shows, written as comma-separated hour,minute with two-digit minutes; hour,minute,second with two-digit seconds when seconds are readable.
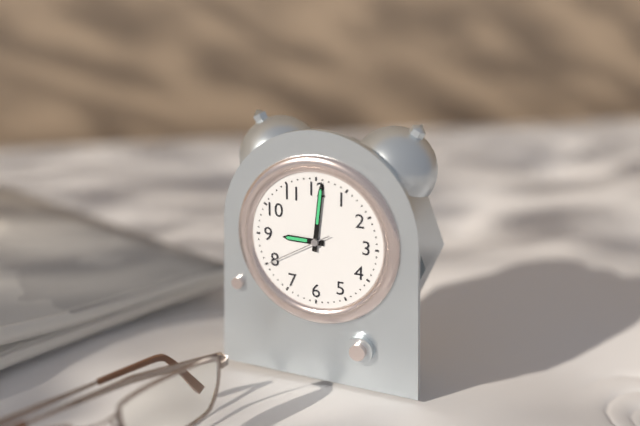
9,01,40
